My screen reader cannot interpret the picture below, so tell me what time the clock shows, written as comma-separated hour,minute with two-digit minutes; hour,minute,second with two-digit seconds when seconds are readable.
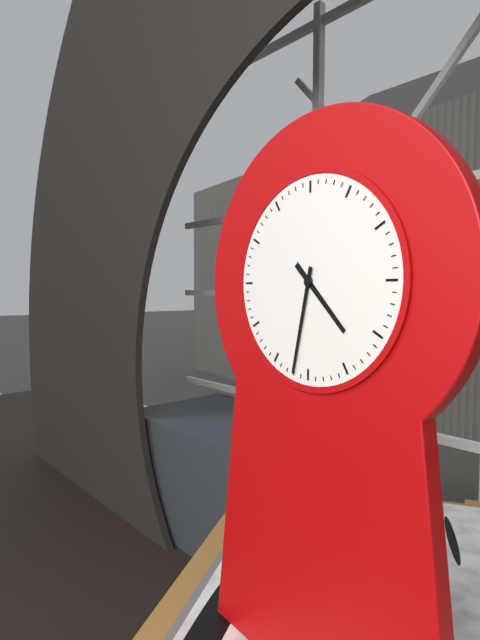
4,32
